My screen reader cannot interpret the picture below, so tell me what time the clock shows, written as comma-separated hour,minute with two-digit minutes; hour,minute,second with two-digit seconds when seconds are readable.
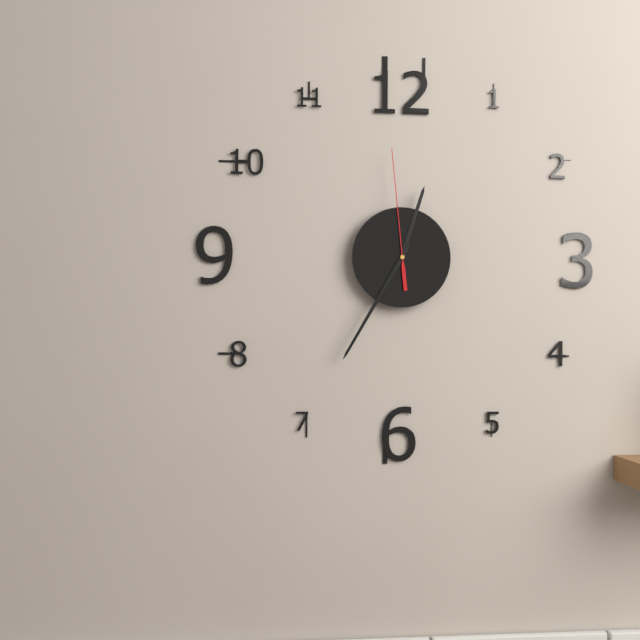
12,35,59
